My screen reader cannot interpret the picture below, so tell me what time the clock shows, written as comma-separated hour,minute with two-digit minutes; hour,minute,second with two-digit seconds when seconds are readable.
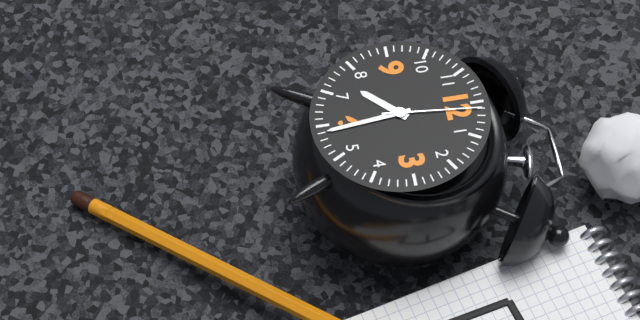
7,29,01
